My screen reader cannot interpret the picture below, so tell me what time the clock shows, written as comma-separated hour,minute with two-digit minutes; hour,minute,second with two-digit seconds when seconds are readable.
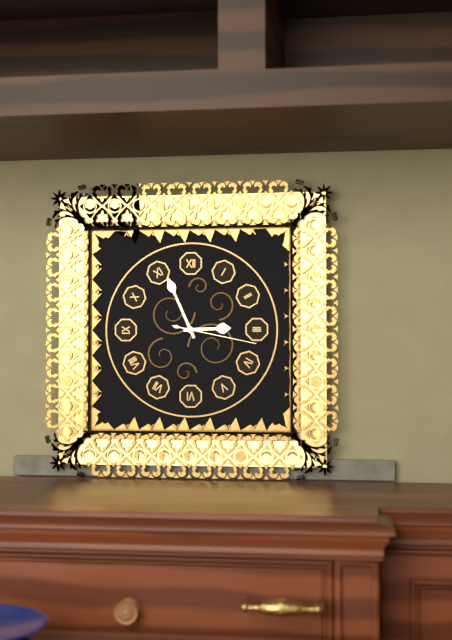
2,56,17
